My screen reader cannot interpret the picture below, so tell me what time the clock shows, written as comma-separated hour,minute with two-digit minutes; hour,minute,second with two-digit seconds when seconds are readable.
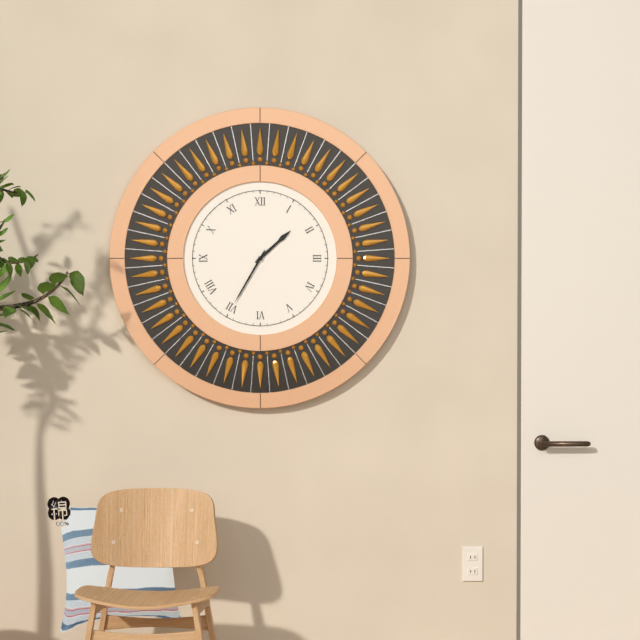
1,35
